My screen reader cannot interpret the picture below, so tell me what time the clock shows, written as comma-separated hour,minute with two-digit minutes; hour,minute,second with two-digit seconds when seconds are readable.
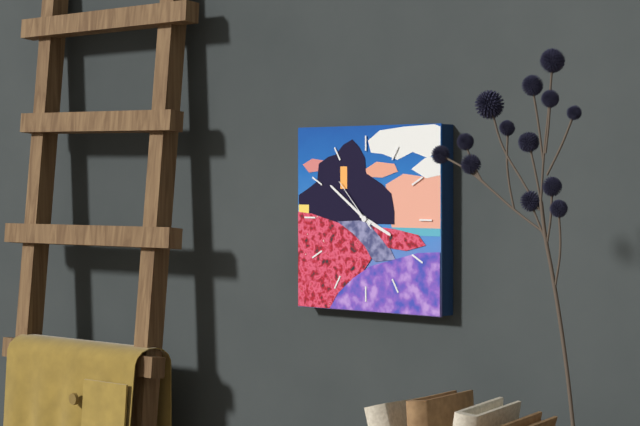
3,51,53
